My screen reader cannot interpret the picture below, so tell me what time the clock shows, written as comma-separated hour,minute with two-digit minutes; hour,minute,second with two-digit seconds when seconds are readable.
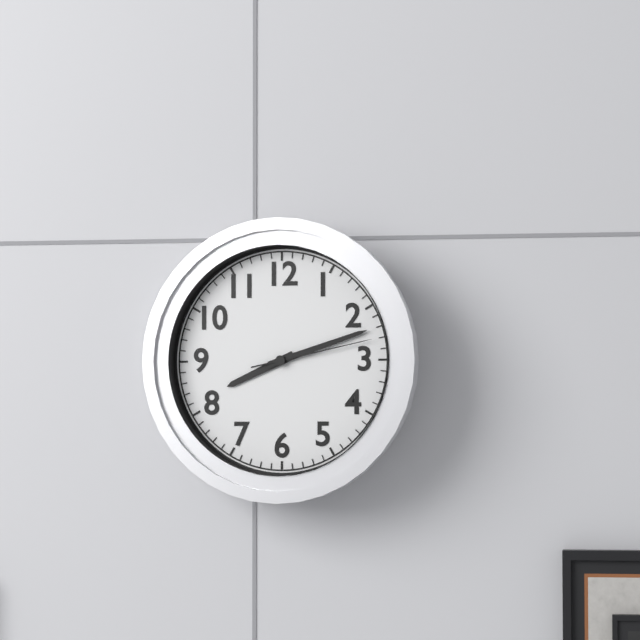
8,12,13
